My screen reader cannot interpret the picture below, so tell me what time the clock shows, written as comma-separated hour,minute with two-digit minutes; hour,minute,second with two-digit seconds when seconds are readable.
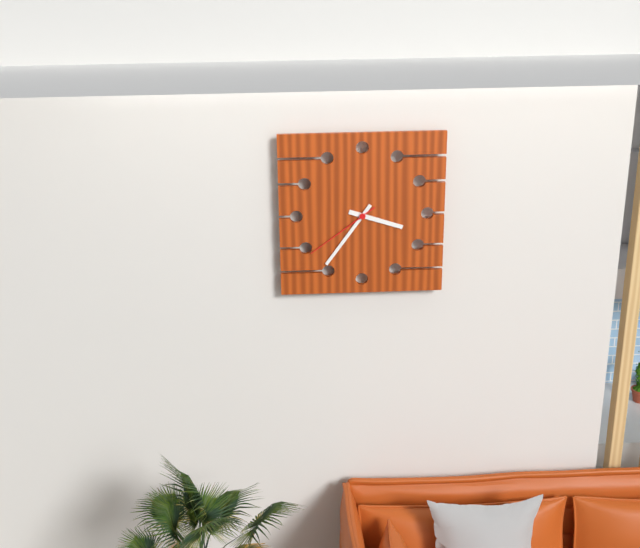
3,36,39
